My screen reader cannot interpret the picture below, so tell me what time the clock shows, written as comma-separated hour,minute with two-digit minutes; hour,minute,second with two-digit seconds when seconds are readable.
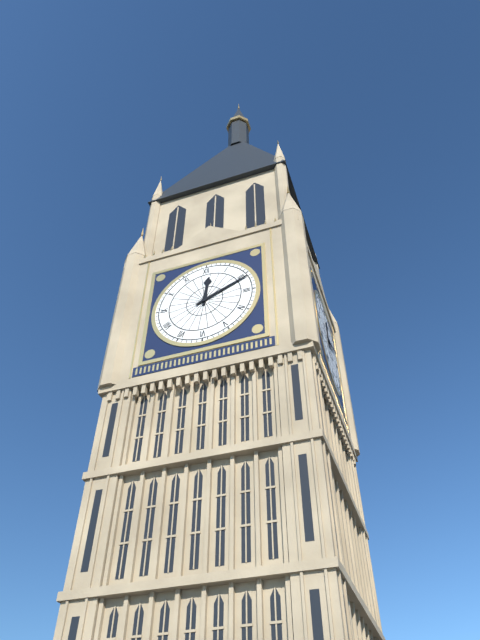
12,11
